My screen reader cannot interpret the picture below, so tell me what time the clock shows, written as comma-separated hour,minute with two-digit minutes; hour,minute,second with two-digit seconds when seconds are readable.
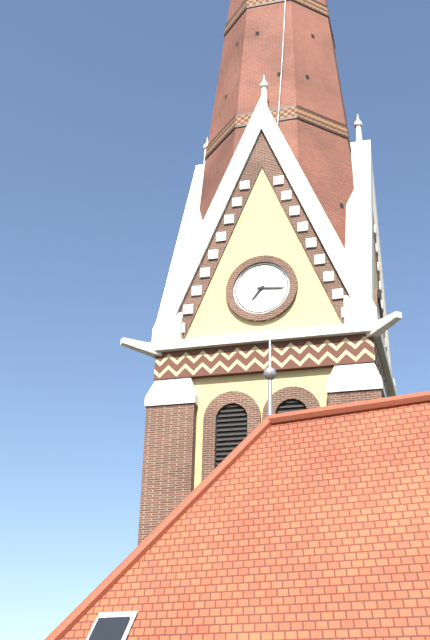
7,16
